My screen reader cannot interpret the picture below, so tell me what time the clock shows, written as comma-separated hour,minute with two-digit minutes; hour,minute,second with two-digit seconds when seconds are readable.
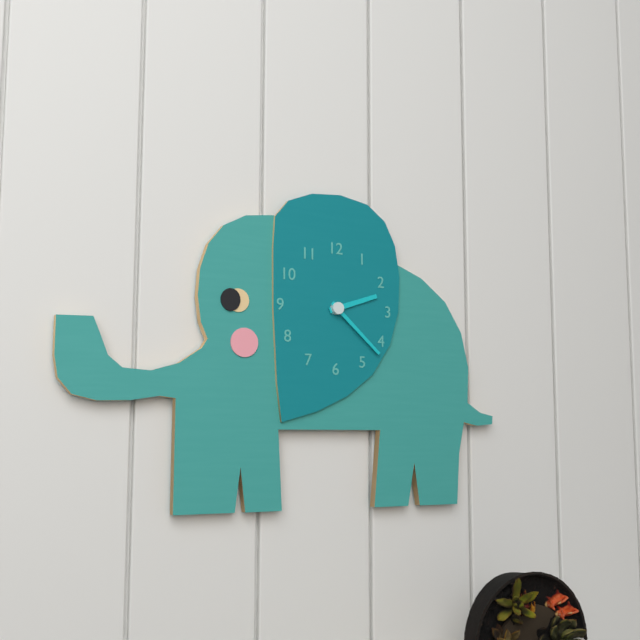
2,22
